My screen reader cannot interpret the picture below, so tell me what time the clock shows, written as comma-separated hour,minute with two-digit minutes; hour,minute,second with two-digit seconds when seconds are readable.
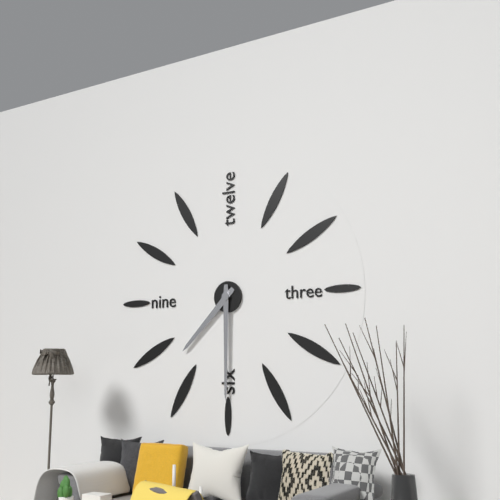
7,30
